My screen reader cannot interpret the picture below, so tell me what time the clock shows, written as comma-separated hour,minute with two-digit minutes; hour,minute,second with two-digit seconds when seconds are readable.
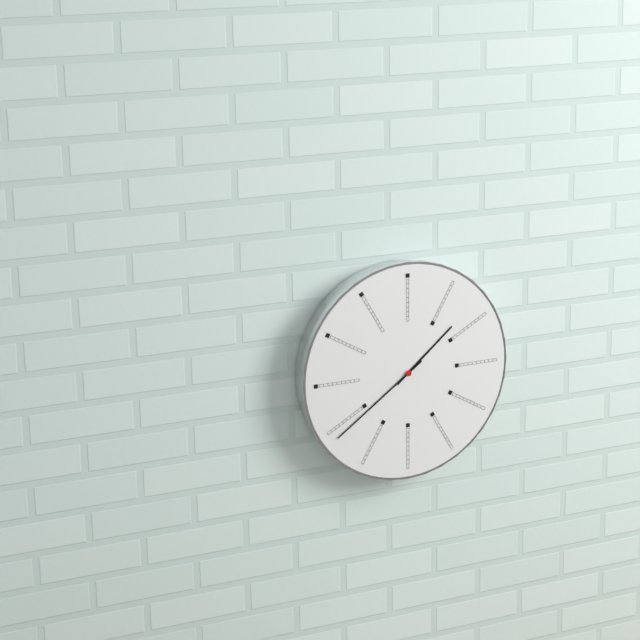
1,39
